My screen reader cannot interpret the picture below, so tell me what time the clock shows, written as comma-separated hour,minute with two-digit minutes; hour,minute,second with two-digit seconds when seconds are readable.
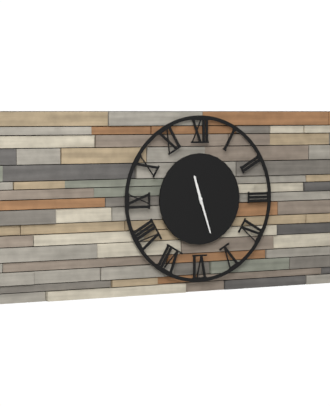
11,27
